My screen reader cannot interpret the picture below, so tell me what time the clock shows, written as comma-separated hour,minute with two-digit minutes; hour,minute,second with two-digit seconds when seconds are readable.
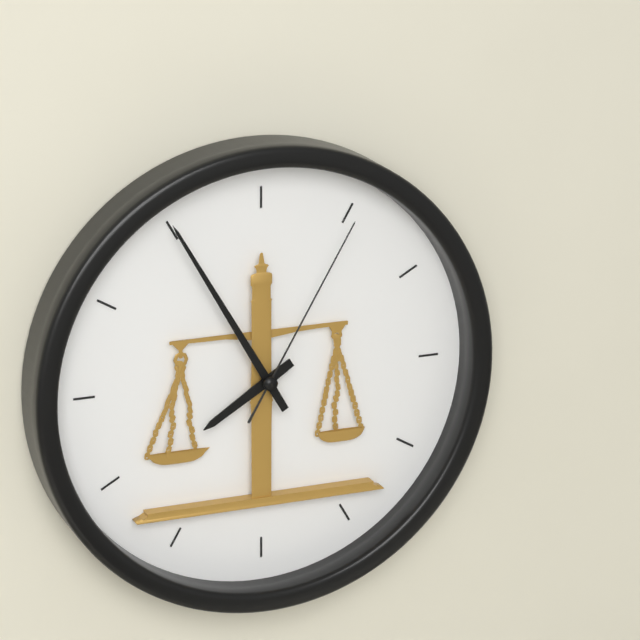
7,55,05
